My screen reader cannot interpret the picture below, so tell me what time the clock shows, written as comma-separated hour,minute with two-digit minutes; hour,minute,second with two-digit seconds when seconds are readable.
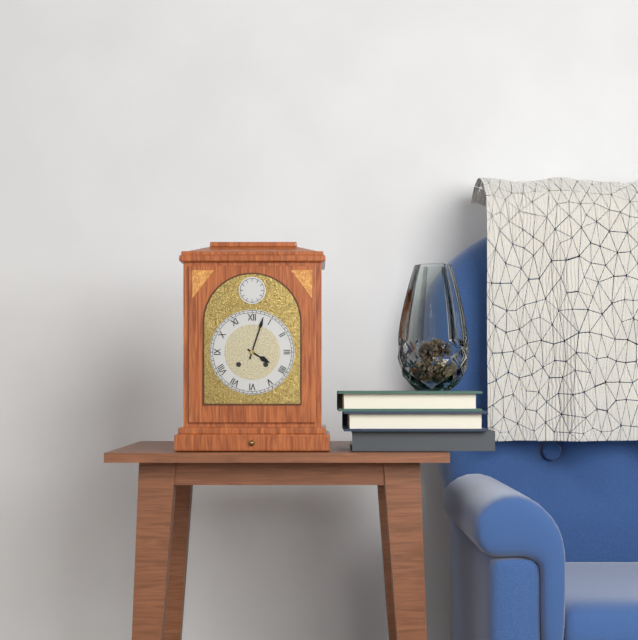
4,03
